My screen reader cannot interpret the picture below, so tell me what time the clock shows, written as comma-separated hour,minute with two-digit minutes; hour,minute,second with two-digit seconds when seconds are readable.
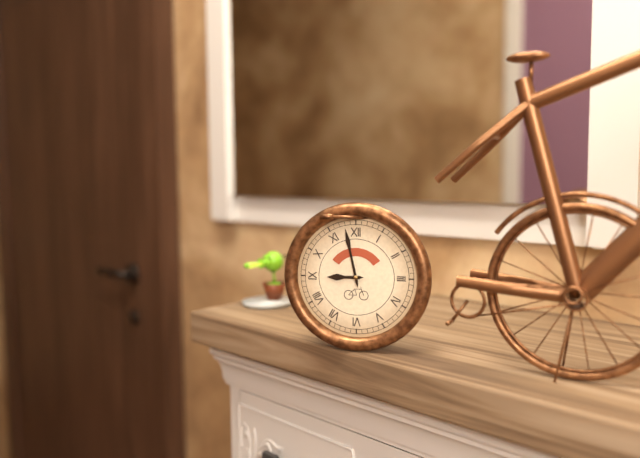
8,58
